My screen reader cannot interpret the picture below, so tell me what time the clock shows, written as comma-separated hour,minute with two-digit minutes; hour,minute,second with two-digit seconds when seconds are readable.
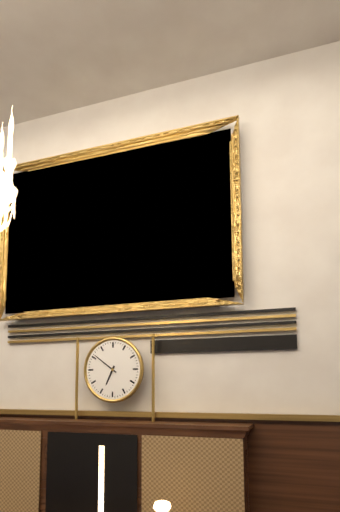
6,51
